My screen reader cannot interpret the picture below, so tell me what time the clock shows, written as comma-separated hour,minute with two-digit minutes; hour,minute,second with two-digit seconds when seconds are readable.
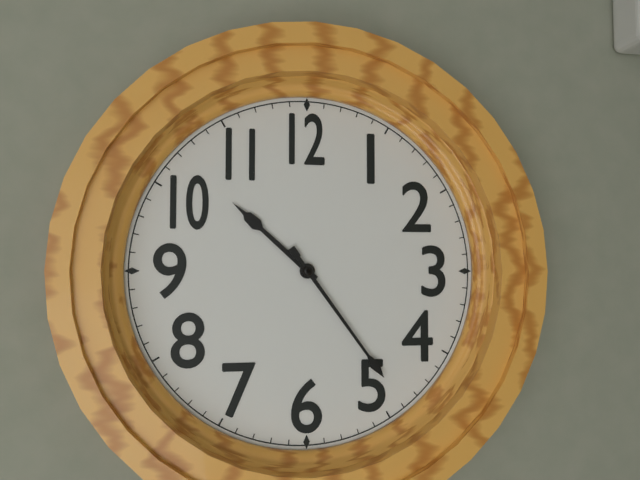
10,24
